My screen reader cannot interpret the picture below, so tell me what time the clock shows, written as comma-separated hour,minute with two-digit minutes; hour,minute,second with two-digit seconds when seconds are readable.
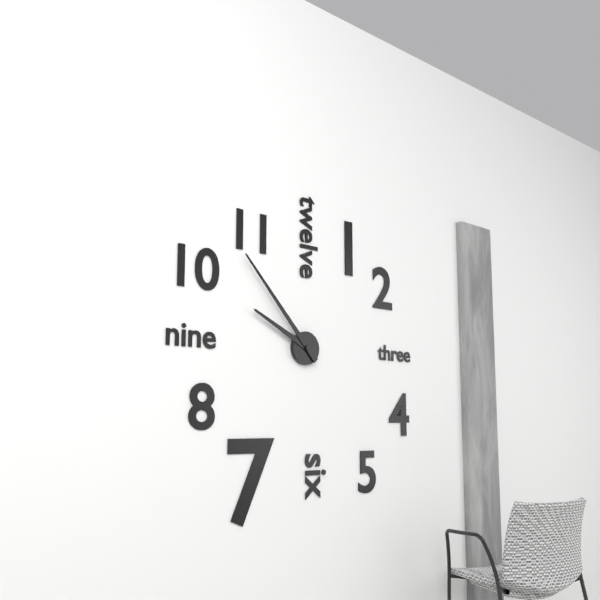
9,53
